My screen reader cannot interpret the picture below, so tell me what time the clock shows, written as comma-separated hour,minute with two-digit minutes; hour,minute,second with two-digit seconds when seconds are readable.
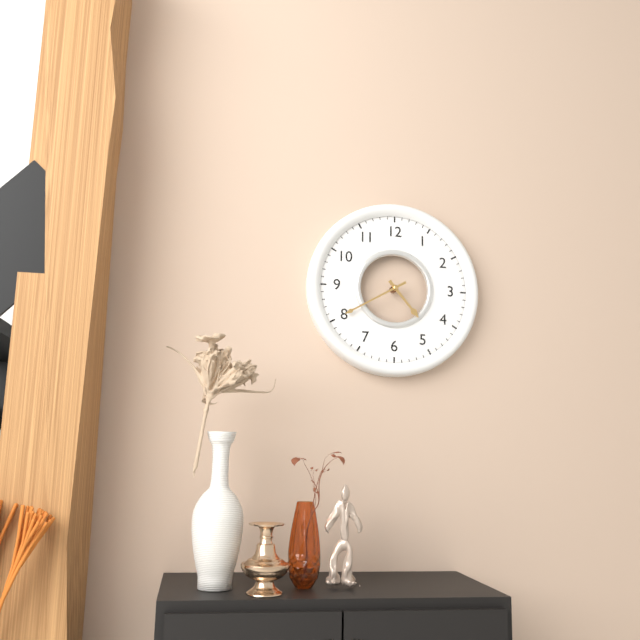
4,40
